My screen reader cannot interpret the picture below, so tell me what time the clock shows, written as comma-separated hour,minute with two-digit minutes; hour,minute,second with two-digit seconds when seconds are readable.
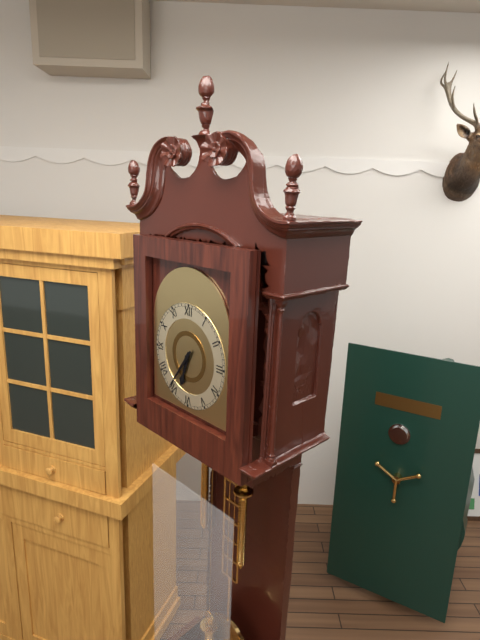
6,36
